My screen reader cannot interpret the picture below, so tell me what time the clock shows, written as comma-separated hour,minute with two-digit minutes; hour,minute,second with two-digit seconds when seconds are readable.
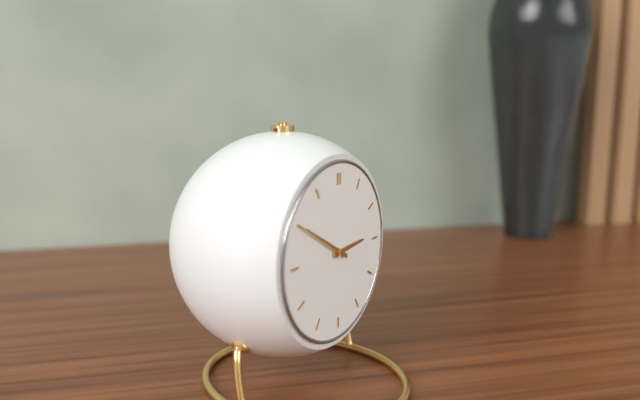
2,50
